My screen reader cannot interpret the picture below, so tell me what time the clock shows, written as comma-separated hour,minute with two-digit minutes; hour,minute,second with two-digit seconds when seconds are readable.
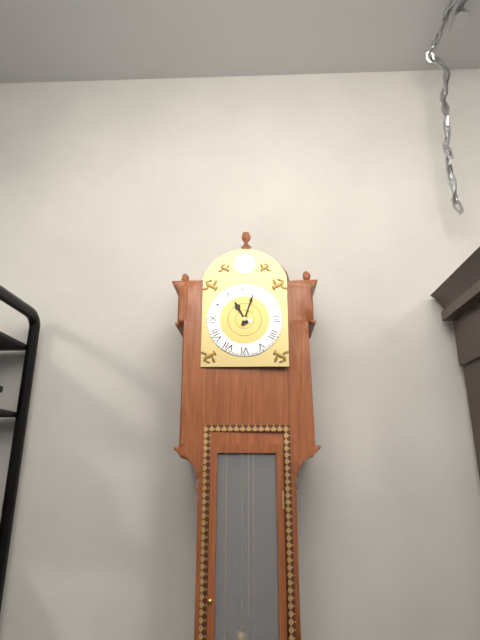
11,03
